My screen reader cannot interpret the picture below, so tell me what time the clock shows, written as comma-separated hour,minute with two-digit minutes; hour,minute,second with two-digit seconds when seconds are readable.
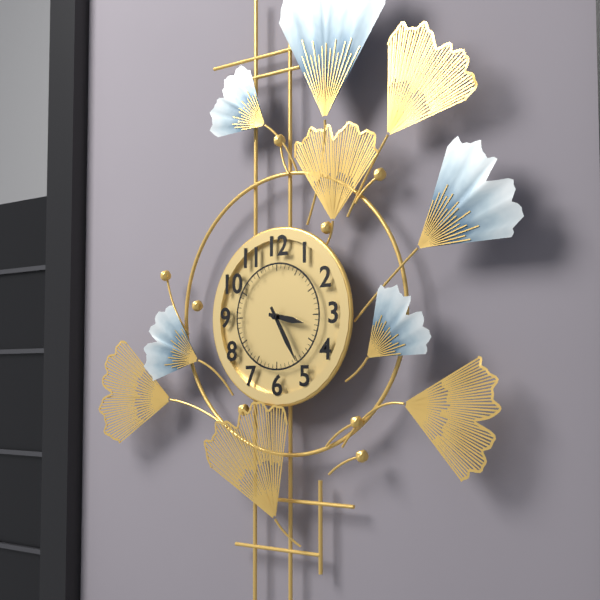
3,25
